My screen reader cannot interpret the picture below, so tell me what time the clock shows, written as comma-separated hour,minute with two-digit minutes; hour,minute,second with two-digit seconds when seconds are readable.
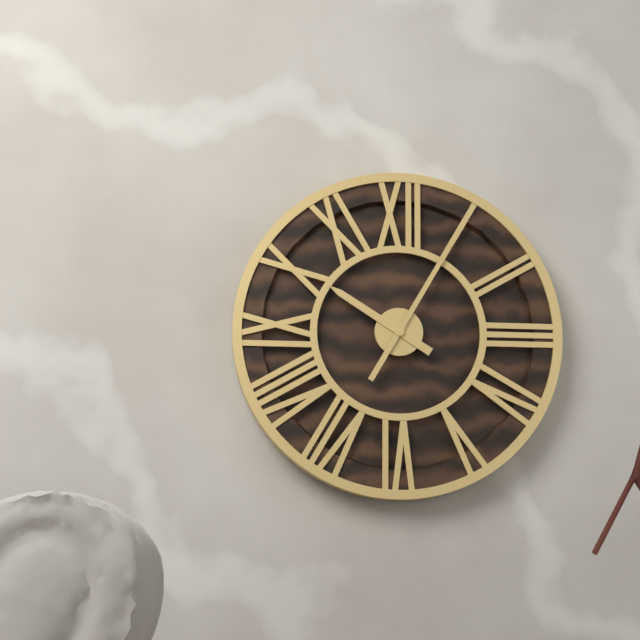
10,05
